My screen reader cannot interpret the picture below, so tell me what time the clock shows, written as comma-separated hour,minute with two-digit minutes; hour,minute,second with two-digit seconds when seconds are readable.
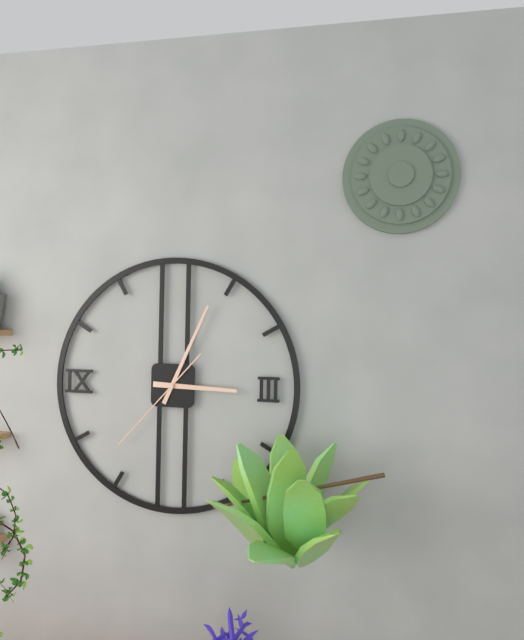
3,04,37
